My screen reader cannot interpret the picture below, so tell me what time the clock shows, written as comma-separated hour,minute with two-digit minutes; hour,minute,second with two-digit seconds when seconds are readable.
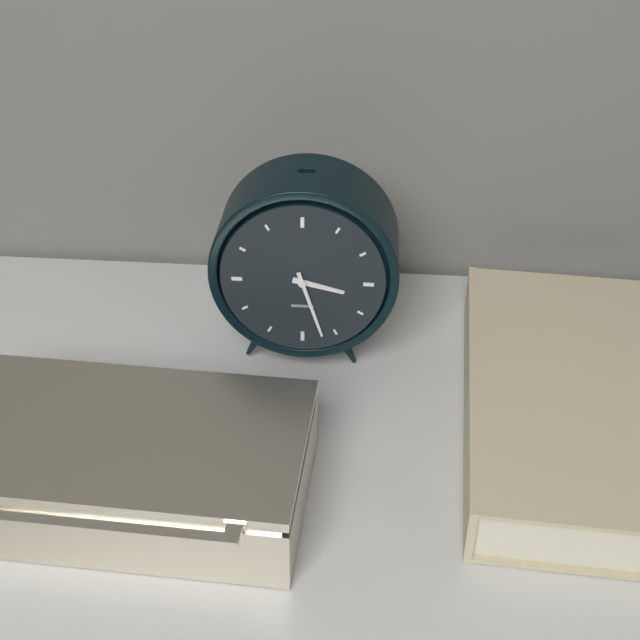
3,27
